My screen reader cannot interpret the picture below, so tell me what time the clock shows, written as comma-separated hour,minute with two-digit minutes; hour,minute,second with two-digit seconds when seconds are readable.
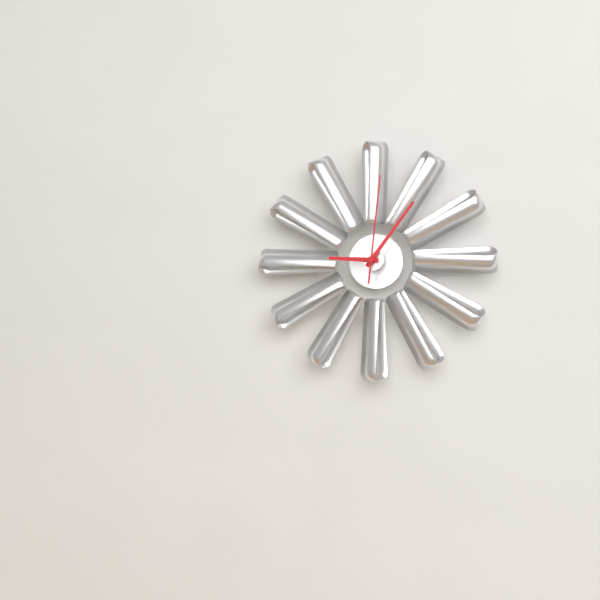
9,06,01
